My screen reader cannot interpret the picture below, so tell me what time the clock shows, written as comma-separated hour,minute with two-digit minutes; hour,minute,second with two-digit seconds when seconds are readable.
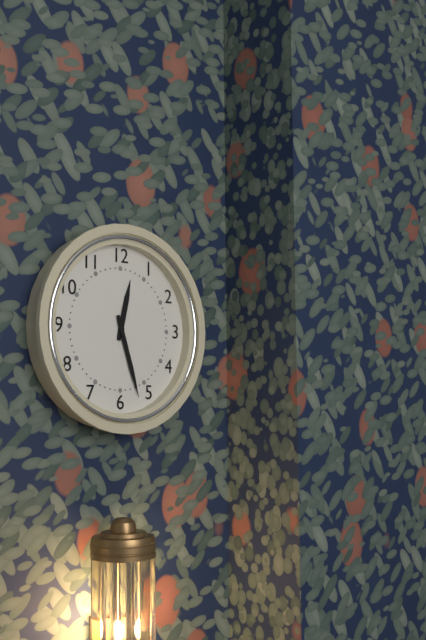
12,27
